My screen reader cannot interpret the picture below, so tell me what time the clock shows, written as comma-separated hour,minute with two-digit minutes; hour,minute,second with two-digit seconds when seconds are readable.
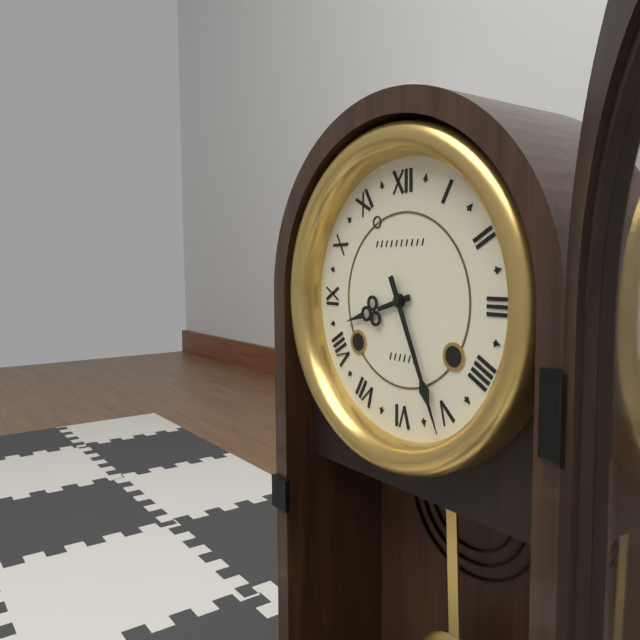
8,26
